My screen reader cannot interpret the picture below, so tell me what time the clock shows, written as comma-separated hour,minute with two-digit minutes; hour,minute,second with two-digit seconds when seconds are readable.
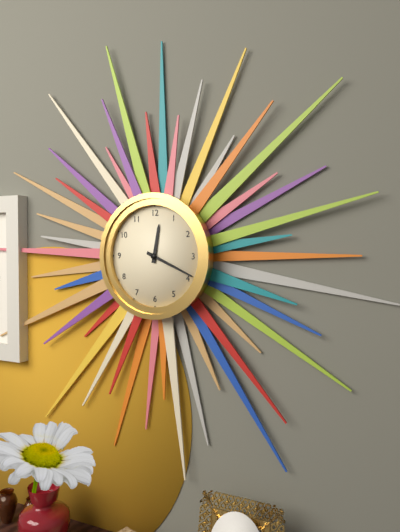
12,19
